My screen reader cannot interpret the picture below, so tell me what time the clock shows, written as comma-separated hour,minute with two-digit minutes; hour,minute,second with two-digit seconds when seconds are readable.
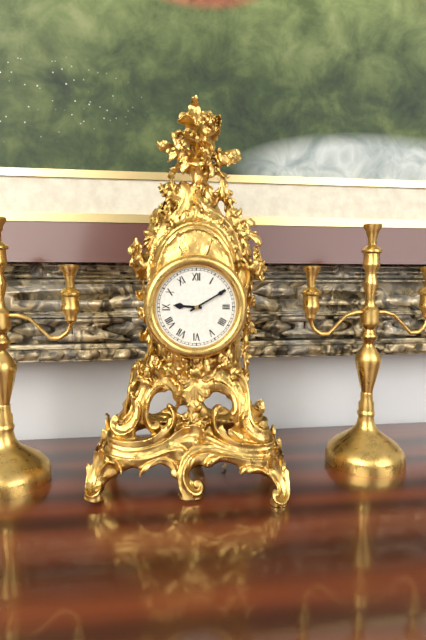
9,10
